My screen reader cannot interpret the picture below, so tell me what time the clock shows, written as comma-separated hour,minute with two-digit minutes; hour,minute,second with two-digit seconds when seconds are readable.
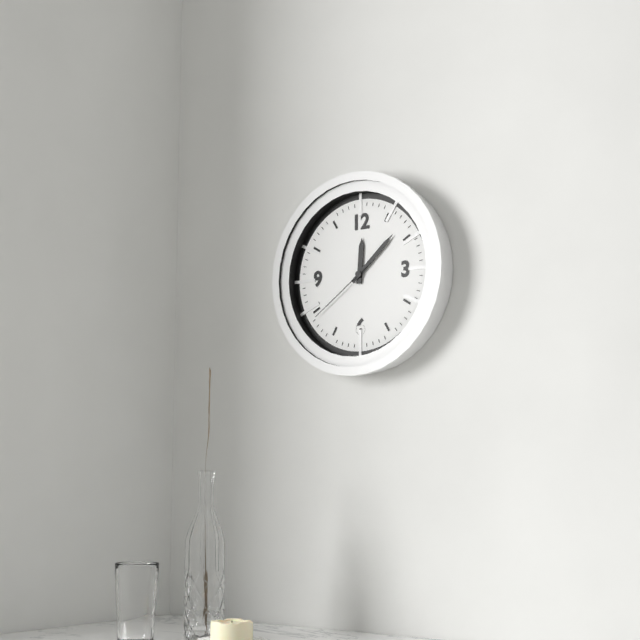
12,08,39
